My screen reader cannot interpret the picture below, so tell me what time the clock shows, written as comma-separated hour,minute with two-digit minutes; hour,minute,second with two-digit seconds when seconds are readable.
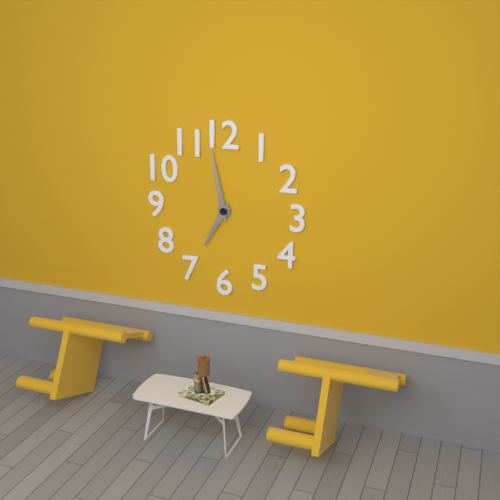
6,58
